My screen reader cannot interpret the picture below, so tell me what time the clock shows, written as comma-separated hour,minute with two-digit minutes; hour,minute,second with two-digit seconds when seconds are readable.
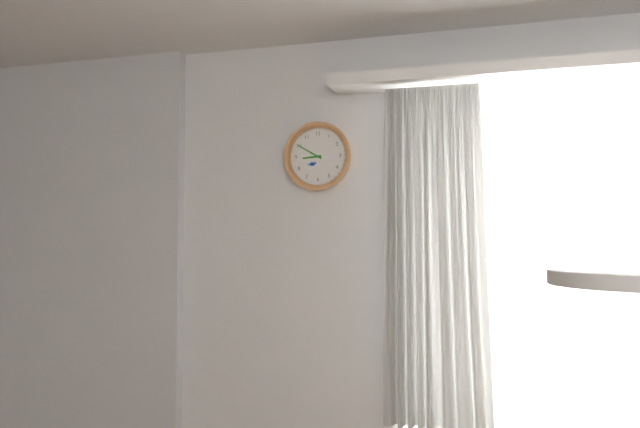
8,50
